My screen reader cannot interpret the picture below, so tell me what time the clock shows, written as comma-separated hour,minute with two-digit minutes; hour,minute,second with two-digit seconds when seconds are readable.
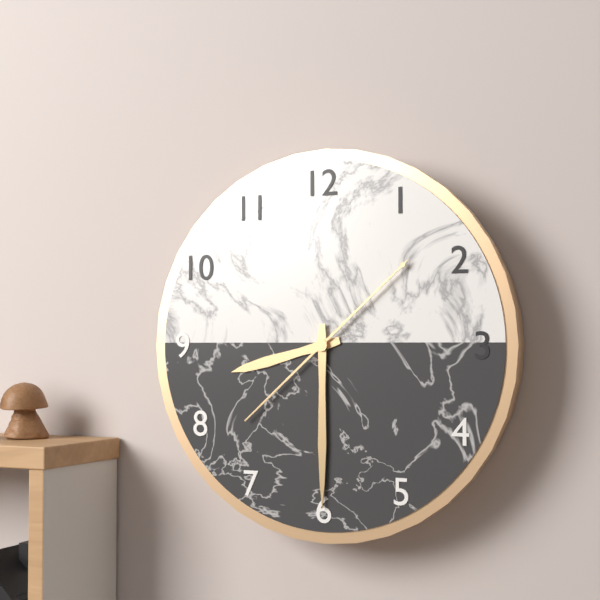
8,30,08
